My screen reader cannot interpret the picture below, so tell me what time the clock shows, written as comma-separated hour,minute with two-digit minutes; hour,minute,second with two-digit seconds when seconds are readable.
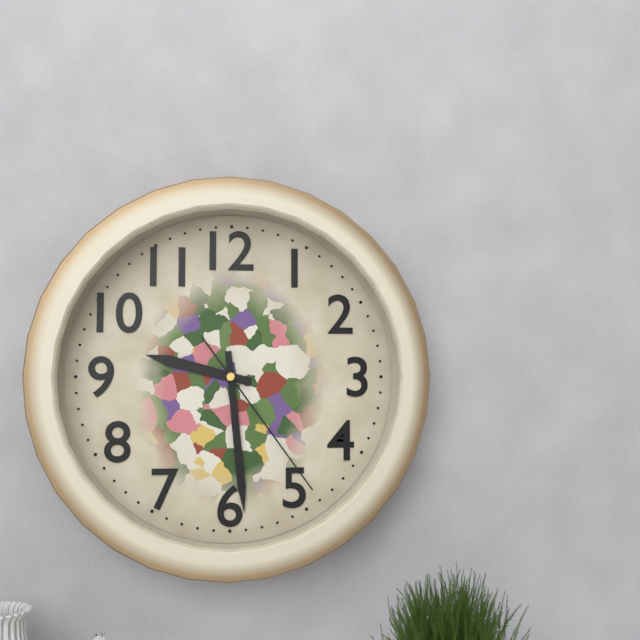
9,29,24
